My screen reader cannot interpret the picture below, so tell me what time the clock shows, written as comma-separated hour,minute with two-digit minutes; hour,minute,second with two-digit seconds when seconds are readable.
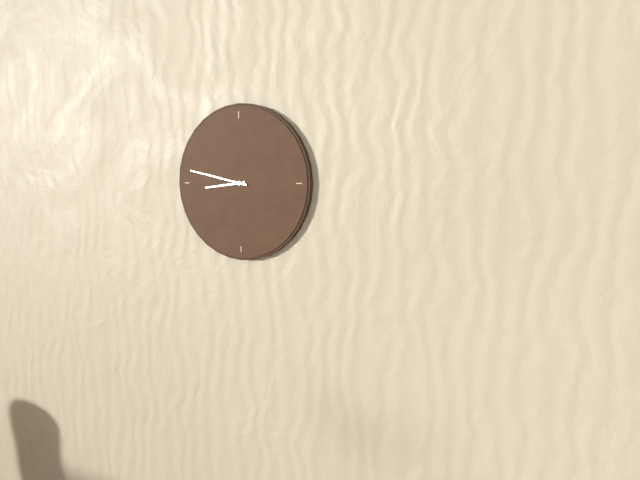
8,47
